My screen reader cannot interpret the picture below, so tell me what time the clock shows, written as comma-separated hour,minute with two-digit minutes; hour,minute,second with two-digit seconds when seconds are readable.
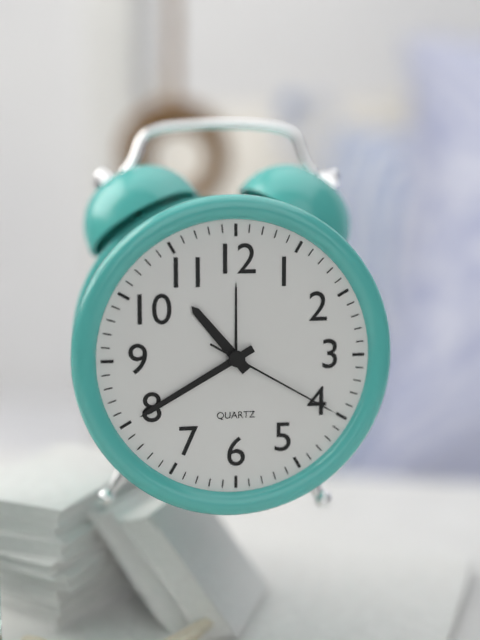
10,40,20
